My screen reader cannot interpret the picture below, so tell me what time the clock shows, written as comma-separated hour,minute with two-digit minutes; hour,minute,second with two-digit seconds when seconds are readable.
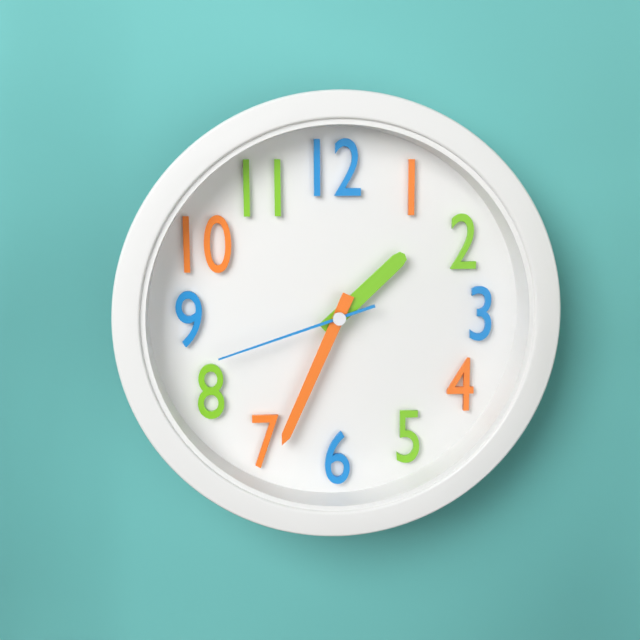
1,34,42
